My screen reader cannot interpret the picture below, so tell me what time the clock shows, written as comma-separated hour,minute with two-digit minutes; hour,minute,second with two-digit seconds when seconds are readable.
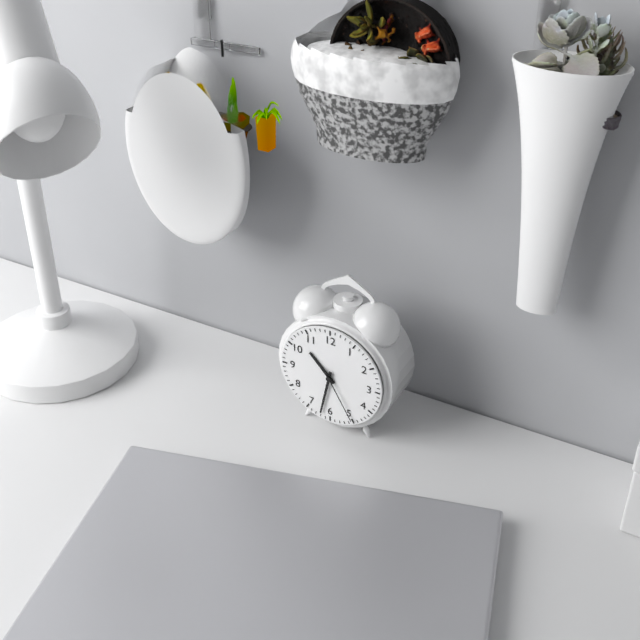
10,32,25
